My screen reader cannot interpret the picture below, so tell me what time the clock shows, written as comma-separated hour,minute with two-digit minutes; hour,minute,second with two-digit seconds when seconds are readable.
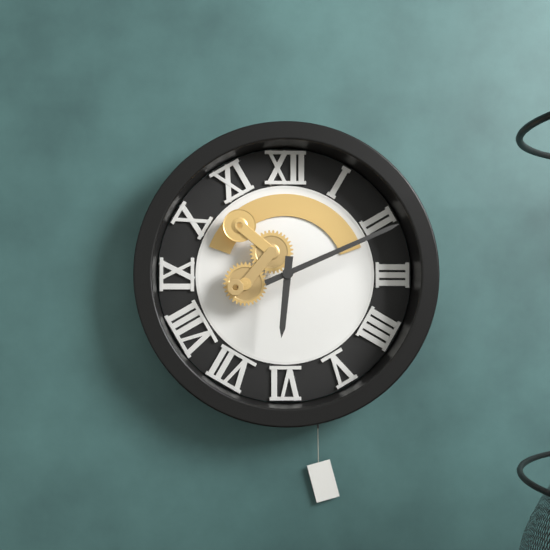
6,11
